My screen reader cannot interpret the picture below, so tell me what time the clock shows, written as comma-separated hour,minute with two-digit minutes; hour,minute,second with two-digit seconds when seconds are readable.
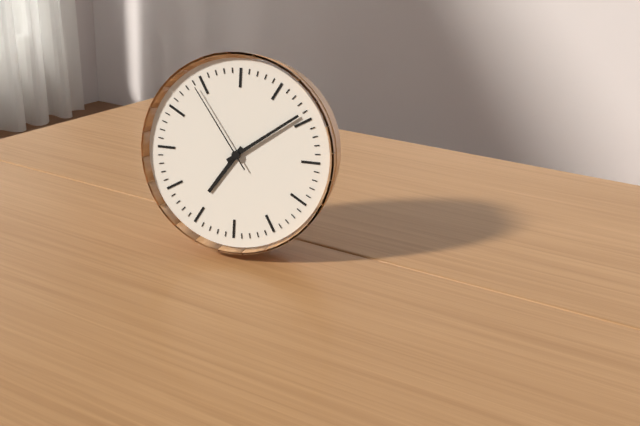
7,09,54
